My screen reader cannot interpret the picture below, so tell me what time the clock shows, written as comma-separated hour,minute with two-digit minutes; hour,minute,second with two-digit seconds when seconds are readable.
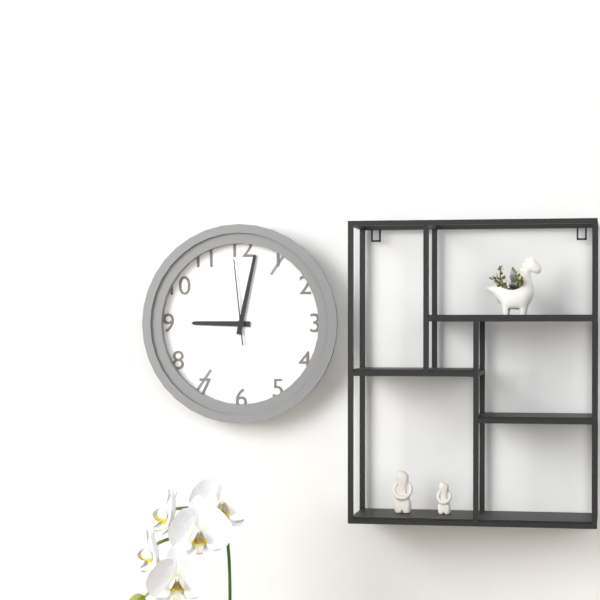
9,02,59
